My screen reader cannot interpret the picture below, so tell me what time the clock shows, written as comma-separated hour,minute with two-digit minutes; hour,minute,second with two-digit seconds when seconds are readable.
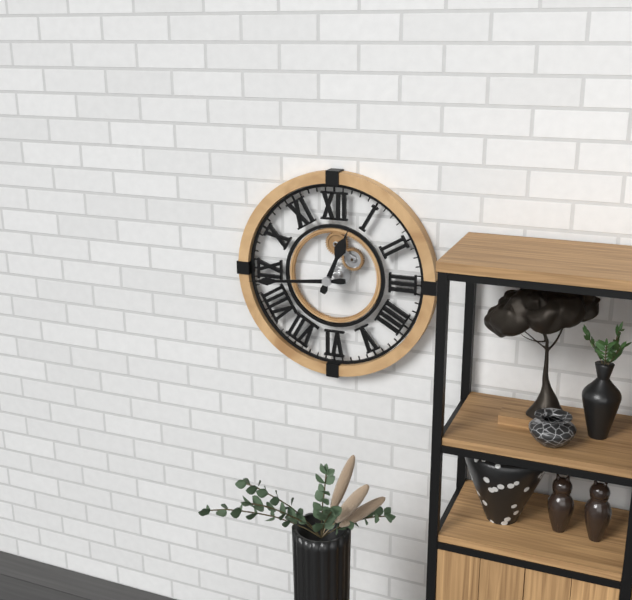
12,44
